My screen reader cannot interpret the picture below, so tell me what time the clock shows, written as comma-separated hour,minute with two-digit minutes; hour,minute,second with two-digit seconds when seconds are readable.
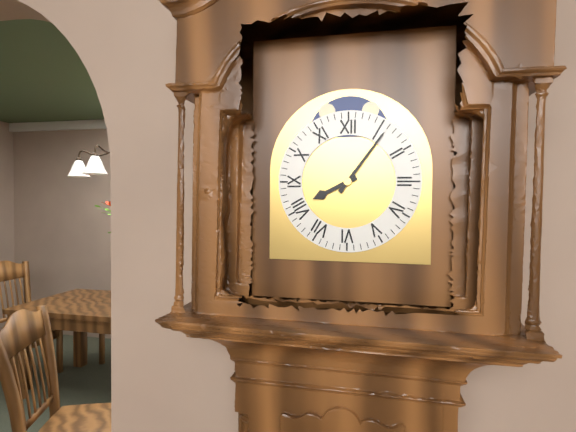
8,06
